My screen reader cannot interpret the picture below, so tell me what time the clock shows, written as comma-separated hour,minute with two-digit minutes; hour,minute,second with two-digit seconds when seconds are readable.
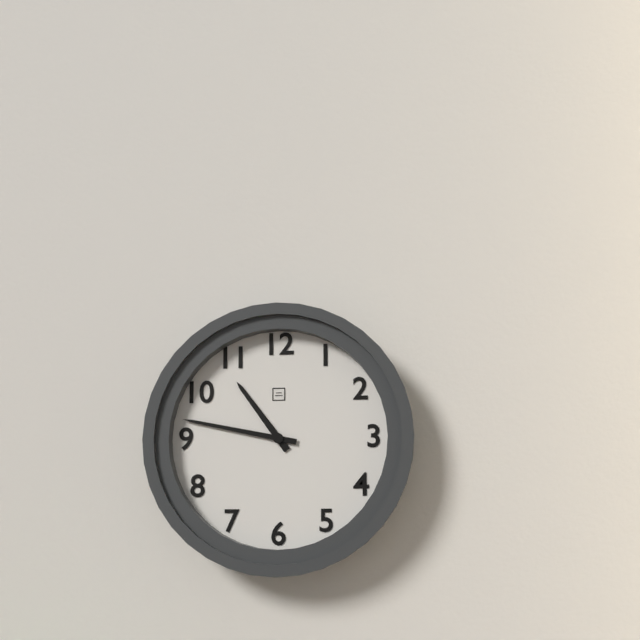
10,47
